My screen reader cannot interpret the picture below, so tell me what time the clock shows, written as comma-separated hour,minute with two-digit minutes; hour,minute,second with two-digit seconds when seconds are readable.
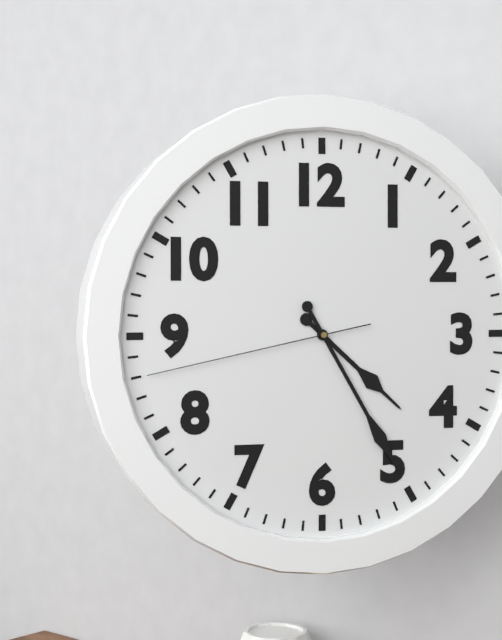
4,25,43
